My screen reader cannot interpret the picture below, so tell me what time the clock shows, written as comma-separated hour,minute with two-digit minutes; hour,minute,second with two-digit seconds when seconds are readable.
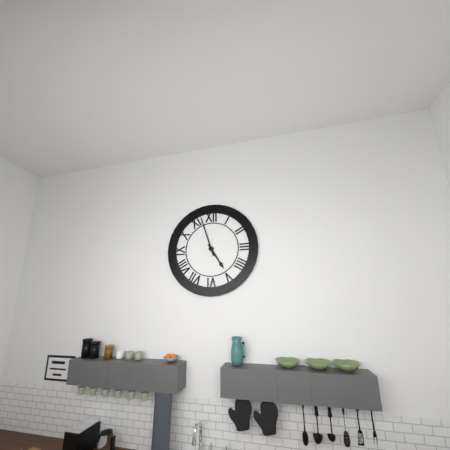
4,57
